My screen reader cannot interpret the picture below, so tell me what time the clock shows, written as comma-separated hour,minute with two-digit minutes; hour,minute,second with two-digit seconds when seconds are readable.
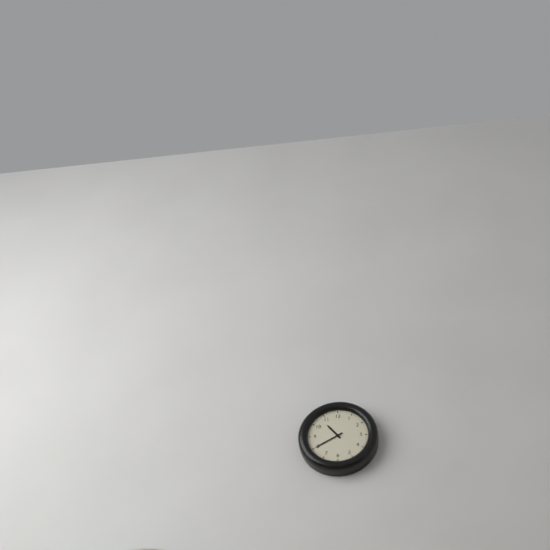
10,40
